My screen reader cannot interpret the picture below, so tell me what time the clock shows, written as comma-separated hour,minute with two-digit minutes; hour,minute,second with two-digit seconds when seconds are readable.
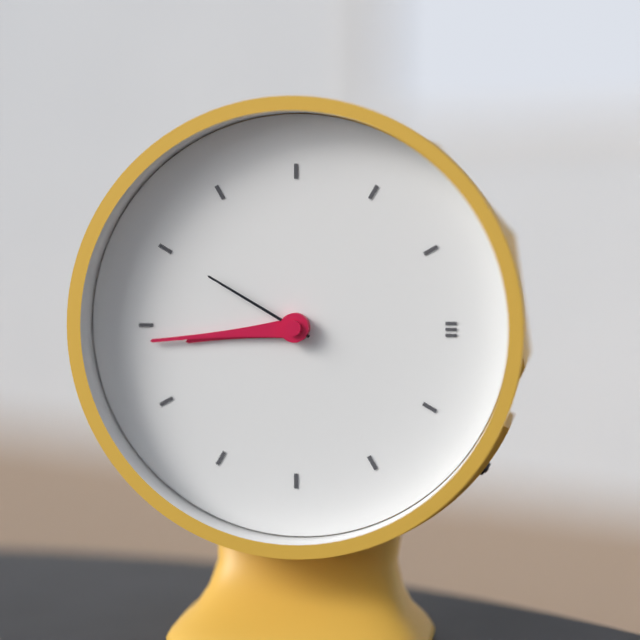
8,44,50
